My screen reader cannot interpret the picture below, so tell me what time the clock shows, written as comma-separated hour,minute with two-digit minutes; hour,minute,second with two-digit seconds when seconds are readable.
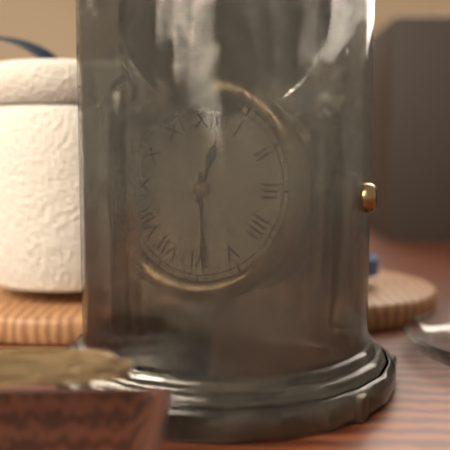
12,29
